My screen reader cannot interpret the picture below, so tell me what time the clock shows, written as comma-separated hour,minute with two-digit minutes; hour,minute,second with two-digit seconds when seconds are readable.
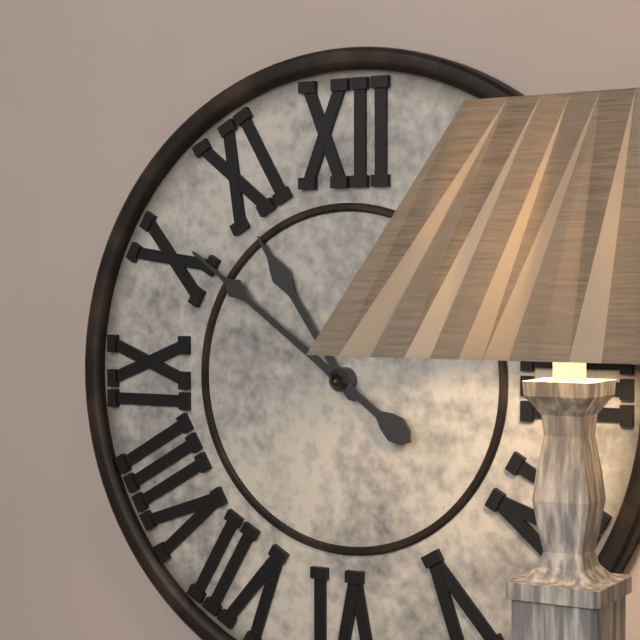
10,51
